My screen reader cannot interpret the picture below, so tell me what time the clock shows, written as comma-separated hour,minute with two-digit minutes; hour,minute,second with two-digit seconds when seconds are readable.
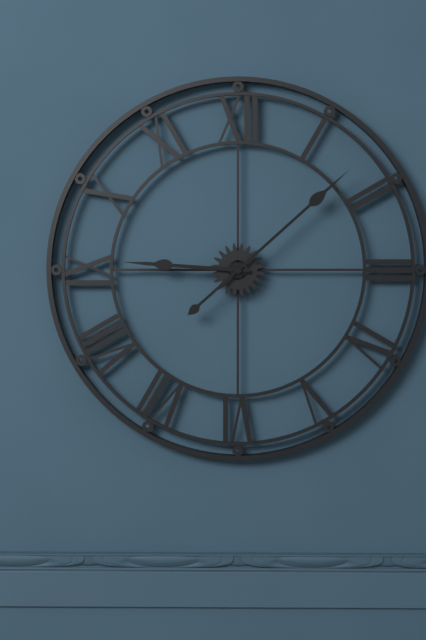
9,08
